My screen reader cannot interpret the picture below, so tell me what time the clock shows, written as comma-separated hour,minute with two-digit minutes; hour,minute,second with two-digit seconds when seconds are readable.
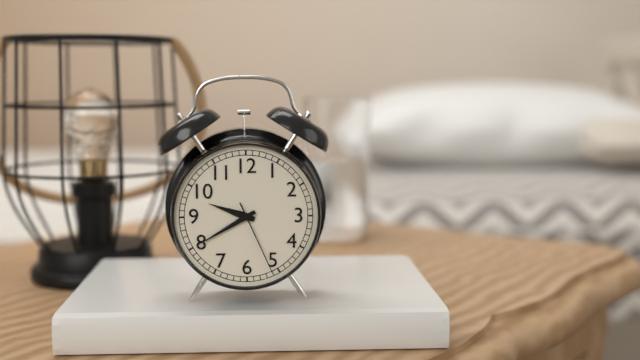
9,40,26
